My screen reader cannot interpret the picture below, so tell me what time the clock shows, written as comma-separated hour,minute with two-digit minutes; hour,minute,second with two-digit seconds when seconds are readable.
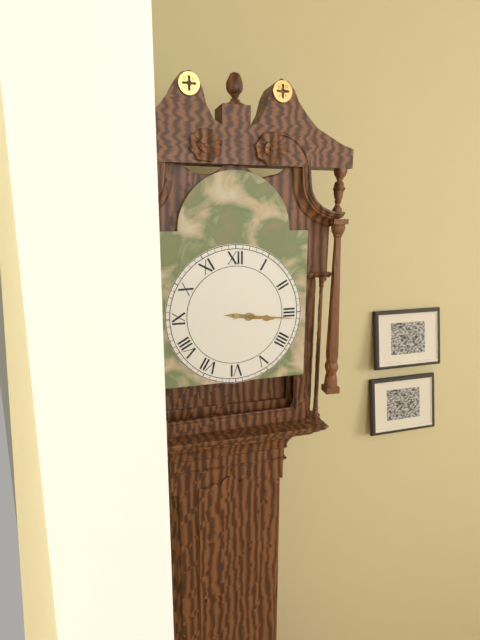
3,16
